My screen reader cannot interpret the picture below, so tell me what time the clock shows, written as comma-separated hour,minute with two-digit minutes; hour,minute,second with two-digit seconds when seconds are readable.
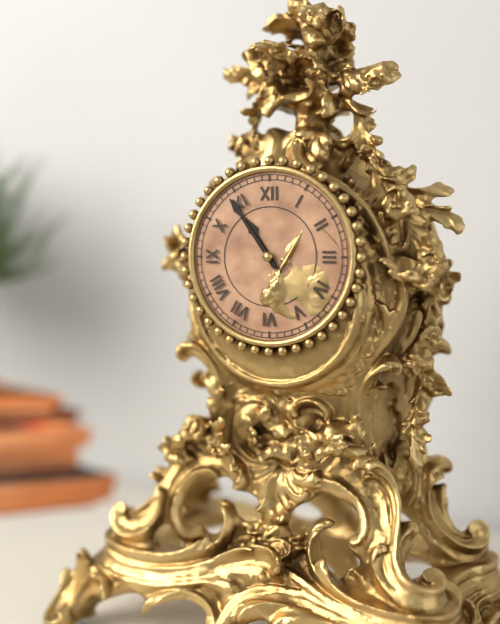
10,54
